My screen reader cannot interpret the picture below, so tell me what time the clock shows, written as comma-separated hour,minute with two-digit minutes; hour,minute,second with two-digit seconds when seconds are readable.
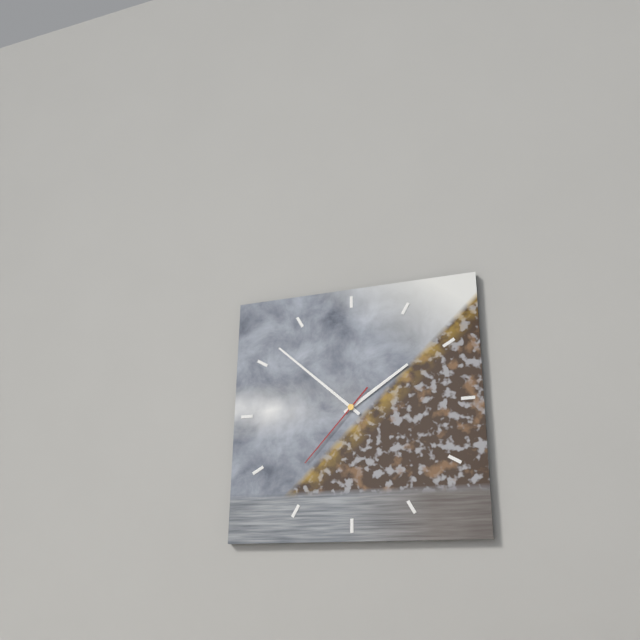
1,52,37
